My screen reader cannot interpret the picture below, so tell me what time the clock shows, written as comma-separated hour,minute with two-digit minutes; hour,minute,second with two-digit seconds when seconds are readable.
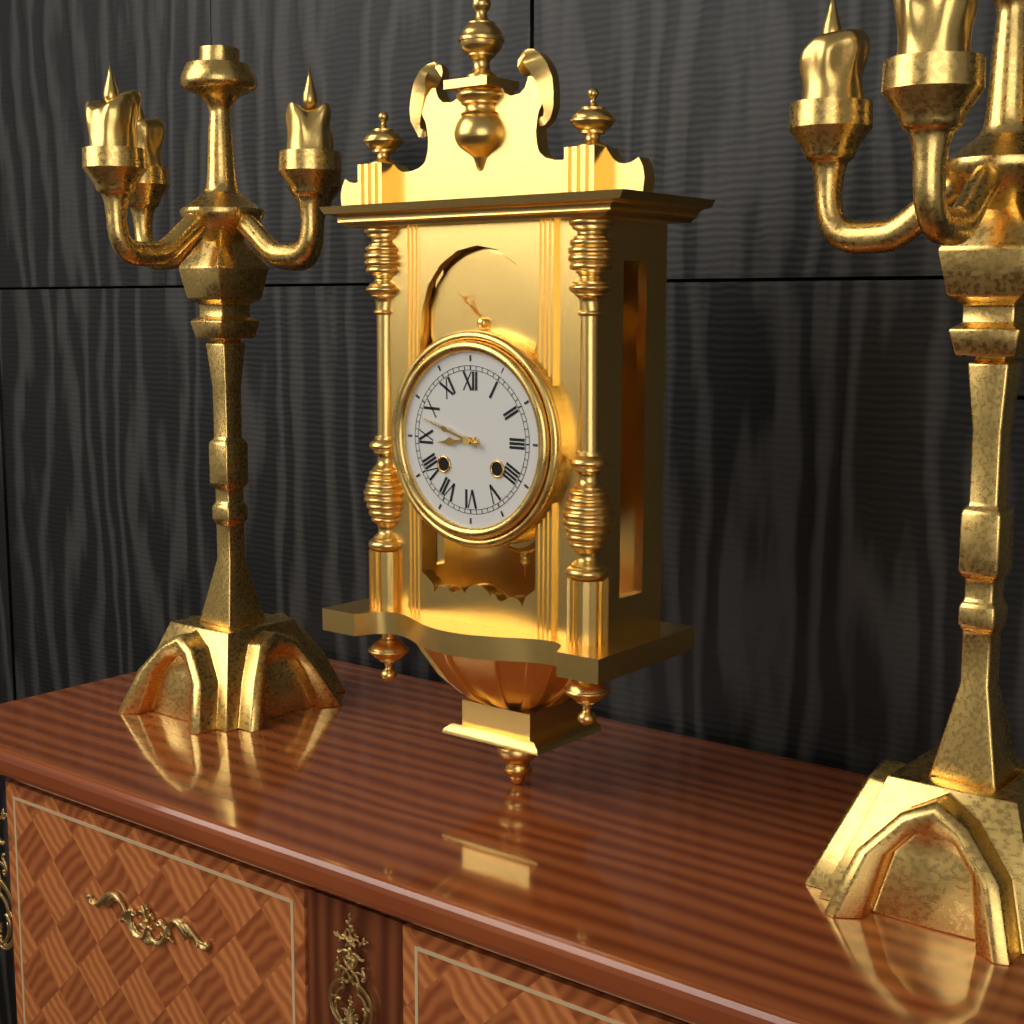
8,48
